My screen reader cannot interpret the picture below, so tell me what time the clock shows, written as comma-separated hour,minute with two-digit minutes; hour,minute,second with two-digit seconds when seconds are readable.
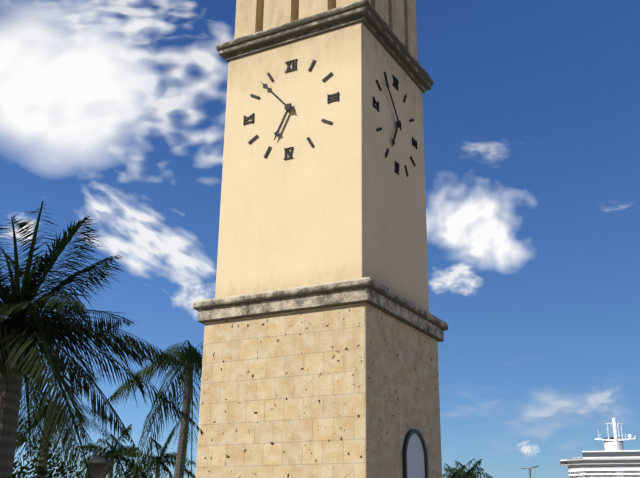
6,53
